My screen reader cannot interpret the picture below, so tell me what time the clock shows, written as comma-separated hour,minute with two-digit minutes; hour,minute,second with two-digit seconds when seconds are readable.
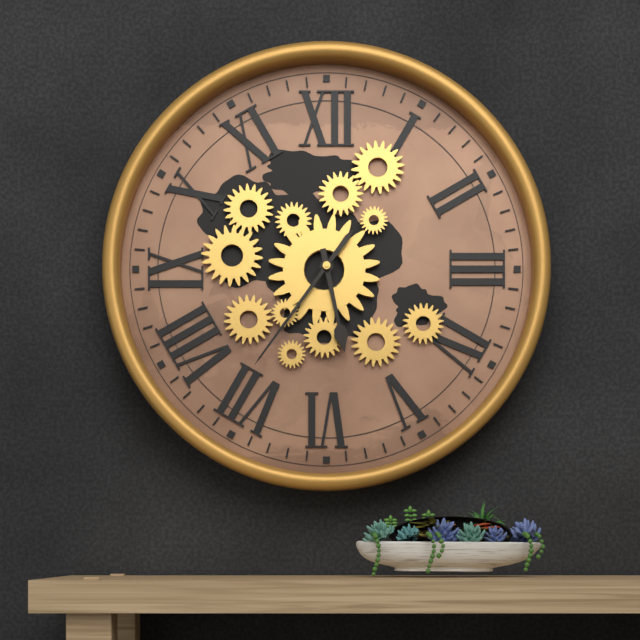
5,36
